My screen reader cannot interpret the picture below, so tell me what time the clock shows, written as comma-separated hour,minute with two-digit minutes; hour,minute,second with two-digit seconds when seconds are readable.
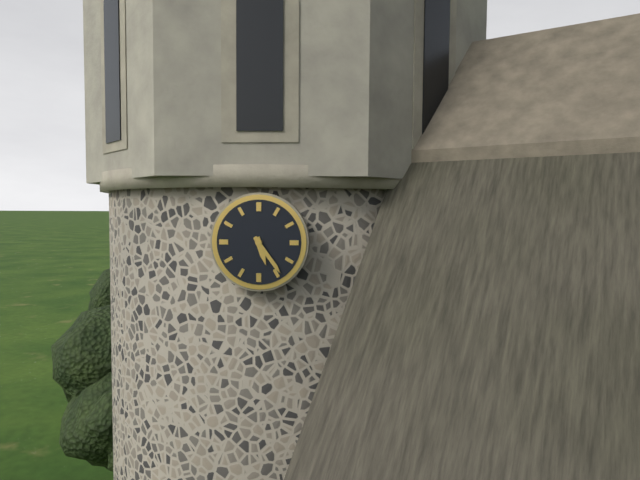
5,24
